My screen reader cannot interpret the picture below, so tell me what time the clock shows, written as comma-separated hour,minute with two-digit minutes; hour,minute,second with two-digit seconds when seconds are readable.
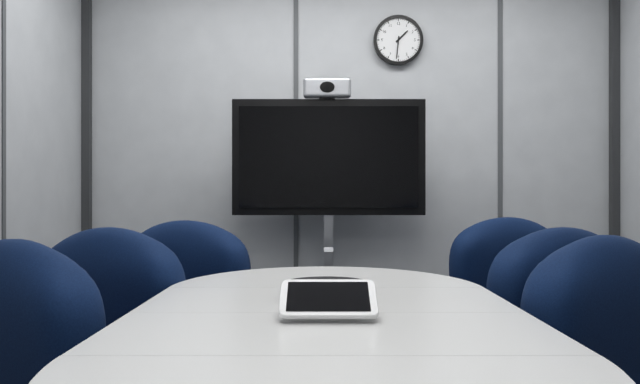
1,31
